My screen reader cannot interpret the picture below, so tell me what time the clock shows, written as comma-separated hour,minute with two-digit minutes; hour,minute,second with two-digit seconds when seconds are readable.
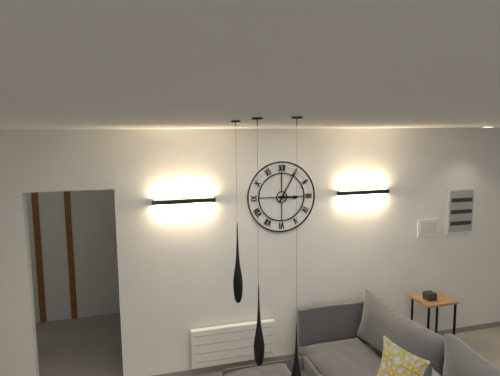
3,05
